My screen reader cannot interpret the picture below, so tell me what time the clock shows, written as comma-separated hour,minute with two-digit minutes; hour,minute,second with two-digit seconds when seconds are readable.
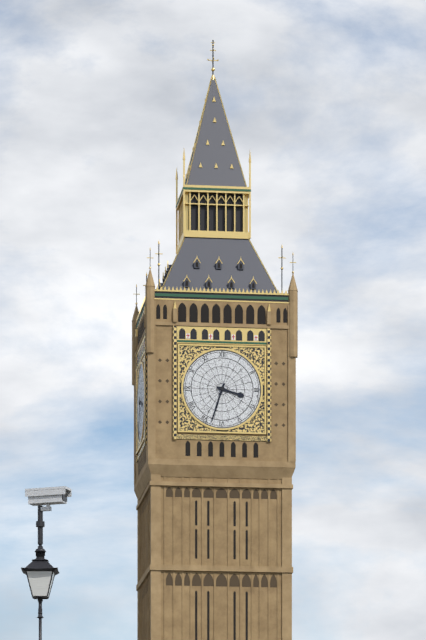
3,33
